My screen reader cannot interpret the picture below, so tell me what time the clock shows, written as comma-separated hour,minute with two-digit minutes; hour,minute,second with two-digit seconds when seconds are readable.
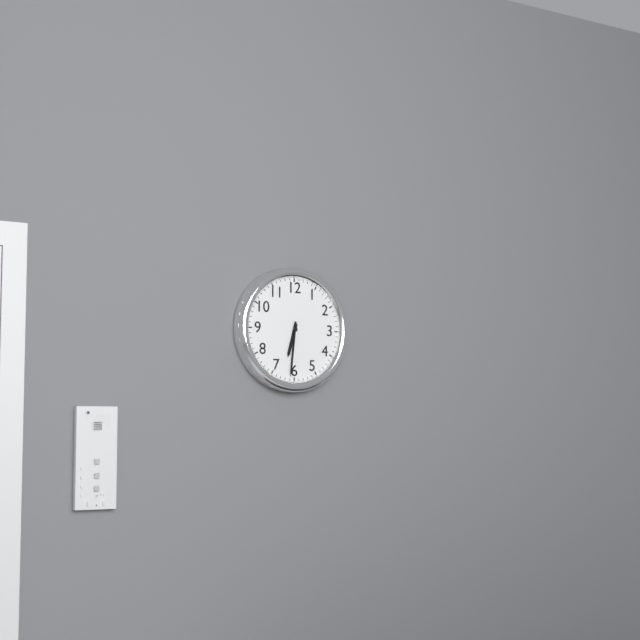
6,31
